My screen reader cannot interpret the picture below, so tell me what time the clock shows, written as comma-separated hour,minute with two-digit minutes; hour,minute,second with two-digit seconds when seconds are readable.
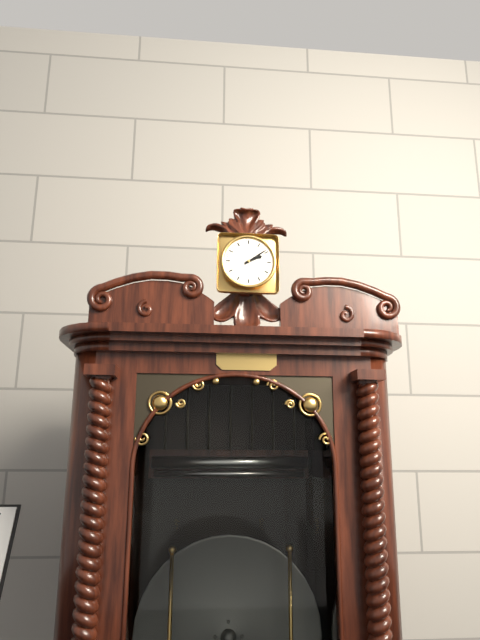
2,09
